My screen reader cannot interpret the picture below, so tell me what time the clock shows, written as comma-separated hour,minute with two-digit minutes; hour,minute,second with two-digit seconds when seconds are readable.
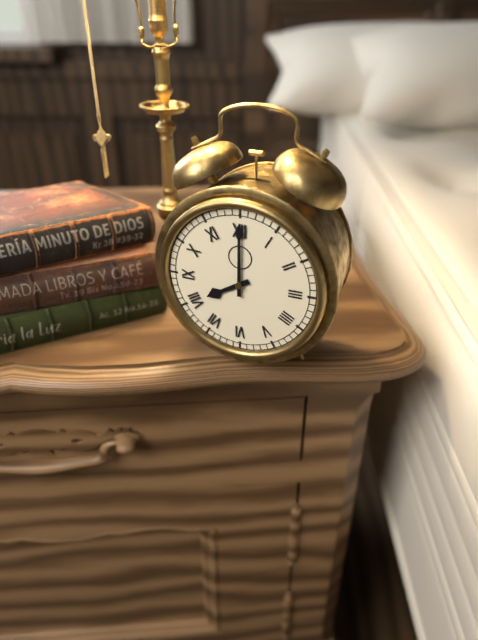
8,00
